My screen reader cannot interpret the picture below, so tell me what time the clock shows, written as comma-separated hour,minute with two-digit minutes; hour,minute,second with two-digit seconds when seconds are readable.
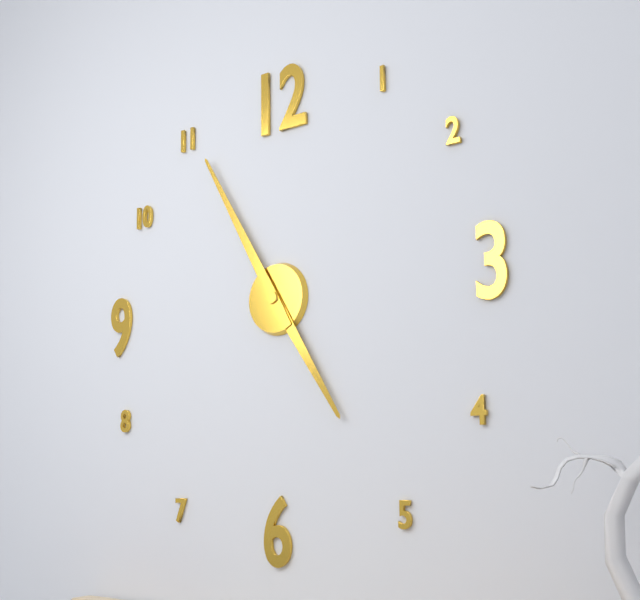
4,55
